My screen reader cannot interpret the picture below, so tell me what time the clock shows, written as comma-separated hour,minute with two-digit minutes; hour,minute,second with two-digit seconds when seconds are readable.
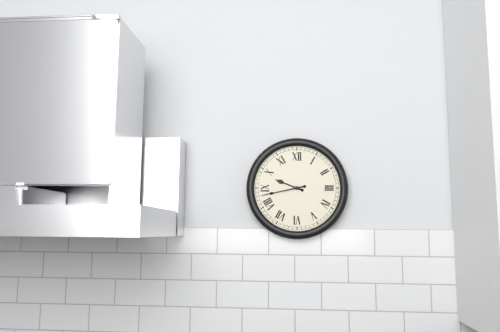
9,43
